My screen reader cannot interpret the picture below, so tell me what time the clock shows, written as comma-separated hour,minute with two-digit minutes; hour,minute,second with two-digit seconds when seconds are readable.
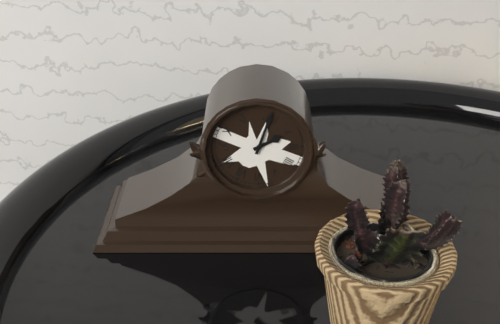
2,03
